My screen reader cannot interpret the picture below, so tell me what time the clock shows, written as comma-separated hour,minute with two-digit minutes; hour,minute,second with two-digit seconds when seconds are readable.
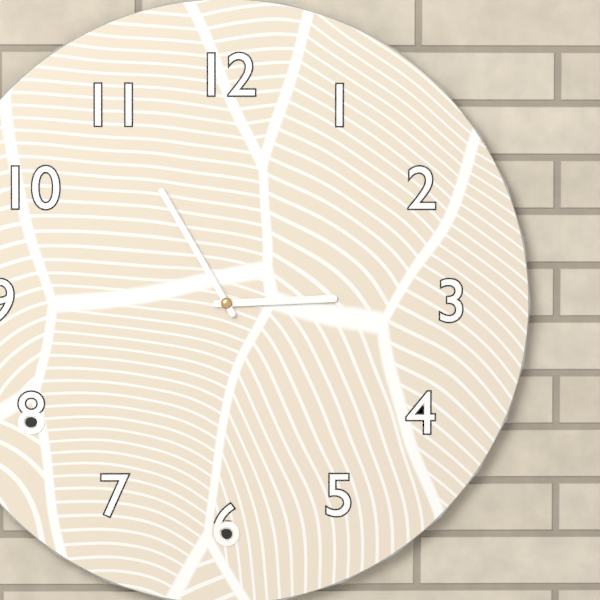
2,55
